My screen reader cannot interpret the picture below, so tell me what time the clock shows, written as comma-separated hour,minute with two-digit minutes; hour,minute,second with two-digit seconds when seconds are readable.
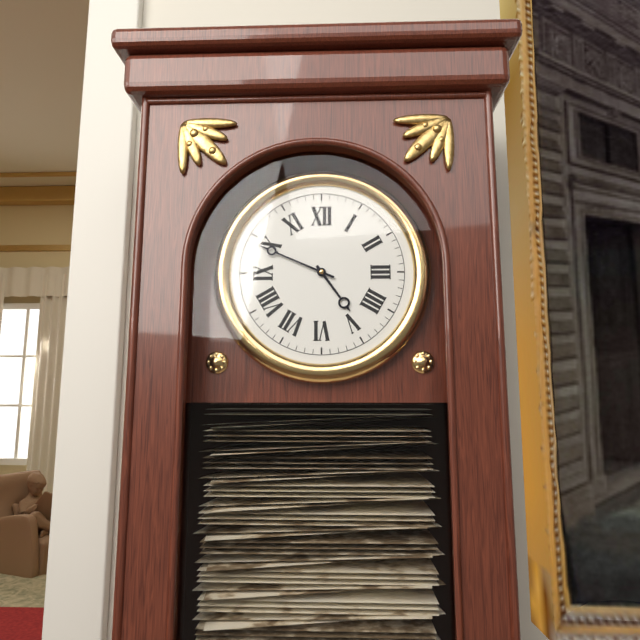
4,49
